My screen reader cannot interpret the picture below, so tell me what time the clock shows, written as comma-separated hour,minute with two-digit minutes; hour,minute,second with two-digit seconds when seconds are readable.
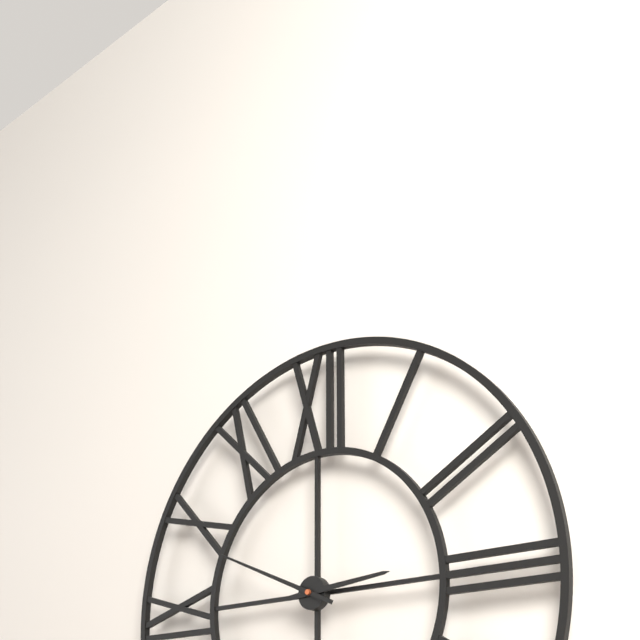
2,49
